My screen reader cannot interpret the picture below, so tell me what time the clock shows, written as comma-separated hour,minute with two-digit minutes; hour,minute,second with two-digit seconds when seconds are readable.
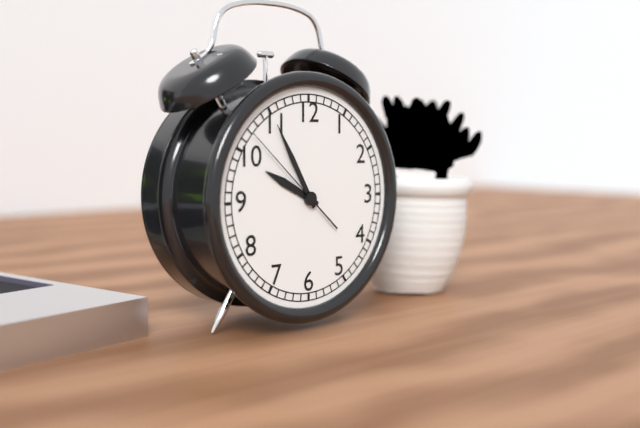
9,55,52
